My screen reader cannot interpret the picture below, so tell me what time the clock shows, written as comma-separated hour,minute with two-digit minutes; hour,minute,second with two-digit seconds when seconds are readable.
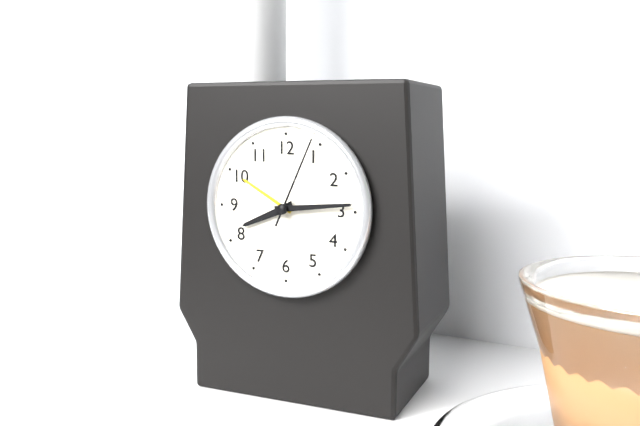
8,14,04
